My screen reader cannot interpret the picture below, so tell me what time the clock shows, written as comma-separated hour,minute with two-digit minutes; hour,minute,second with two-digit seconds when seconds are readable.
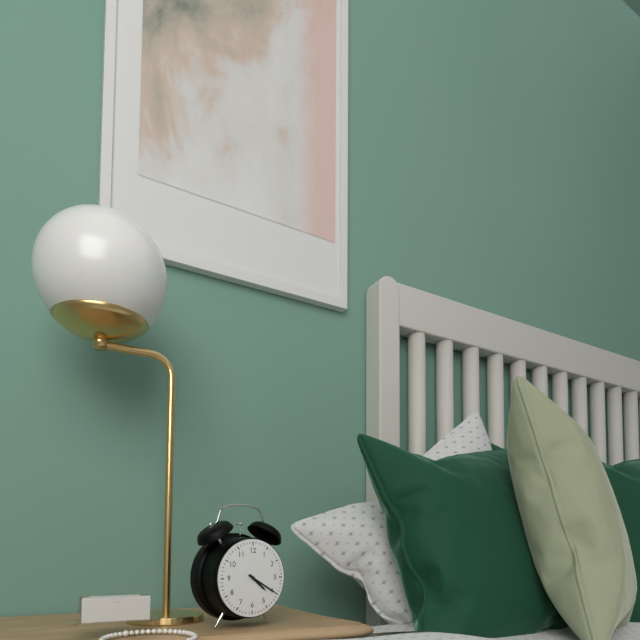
4,20
